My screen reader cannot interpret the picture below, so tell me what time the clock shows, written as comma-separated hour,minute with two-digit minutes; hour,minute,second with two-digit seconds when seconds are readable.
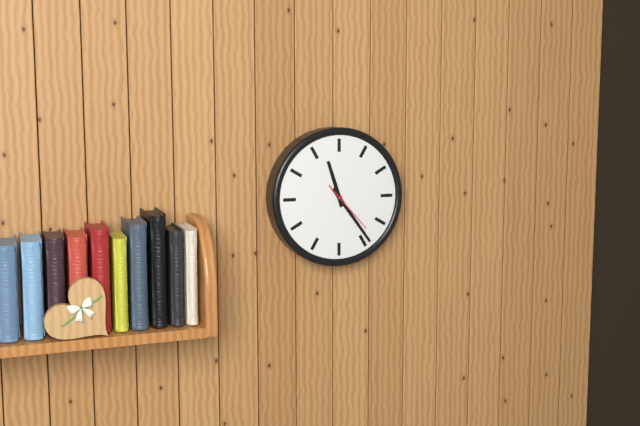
11,24,23
